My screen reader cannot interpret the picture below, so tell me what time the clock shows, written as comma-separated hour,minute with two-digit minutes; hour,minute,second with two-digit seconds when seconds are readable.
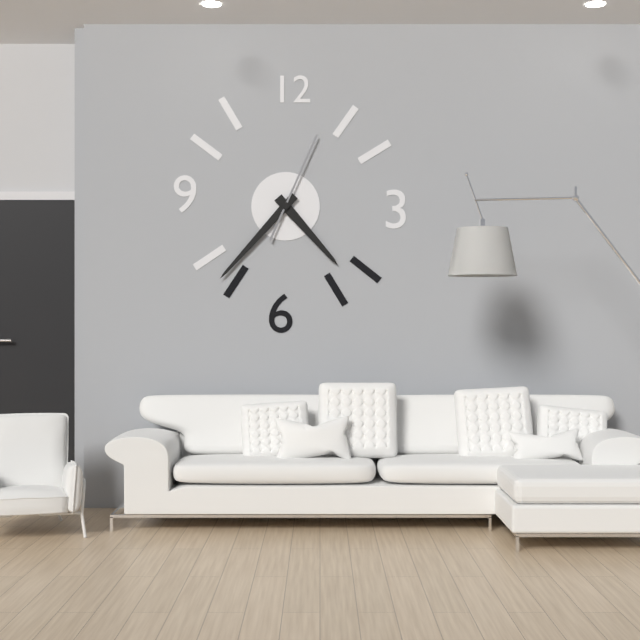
4,37,04
